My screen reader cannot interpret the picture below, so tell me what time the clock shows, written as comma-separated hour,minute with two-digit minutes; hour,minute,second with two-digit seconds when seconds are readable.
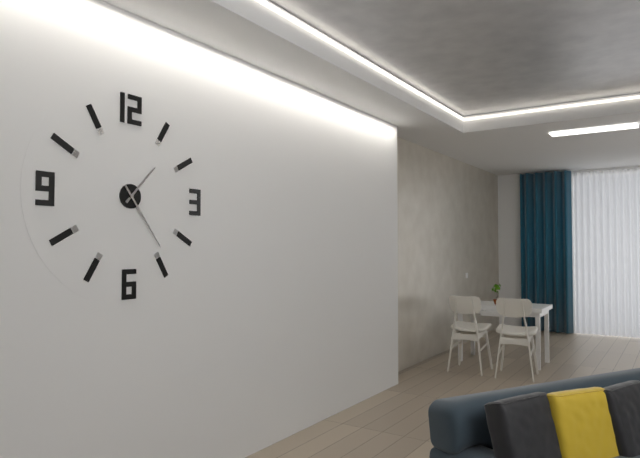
1,24
